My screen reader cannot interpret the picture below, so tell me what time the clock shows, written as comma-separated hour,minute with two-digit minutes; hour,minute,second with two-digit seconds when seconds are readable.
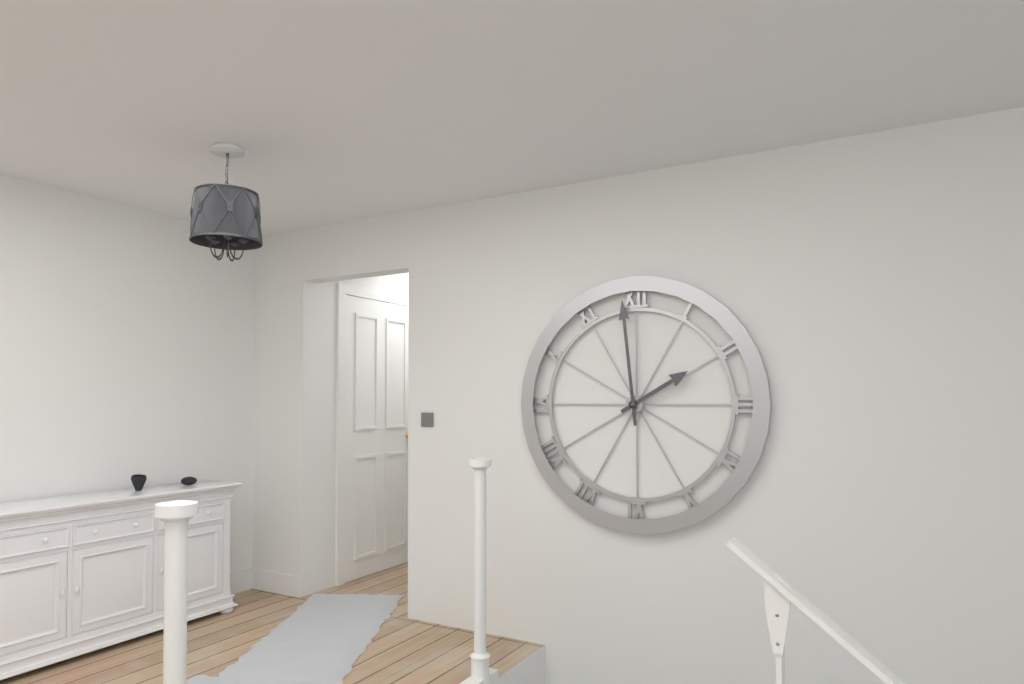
1,59
